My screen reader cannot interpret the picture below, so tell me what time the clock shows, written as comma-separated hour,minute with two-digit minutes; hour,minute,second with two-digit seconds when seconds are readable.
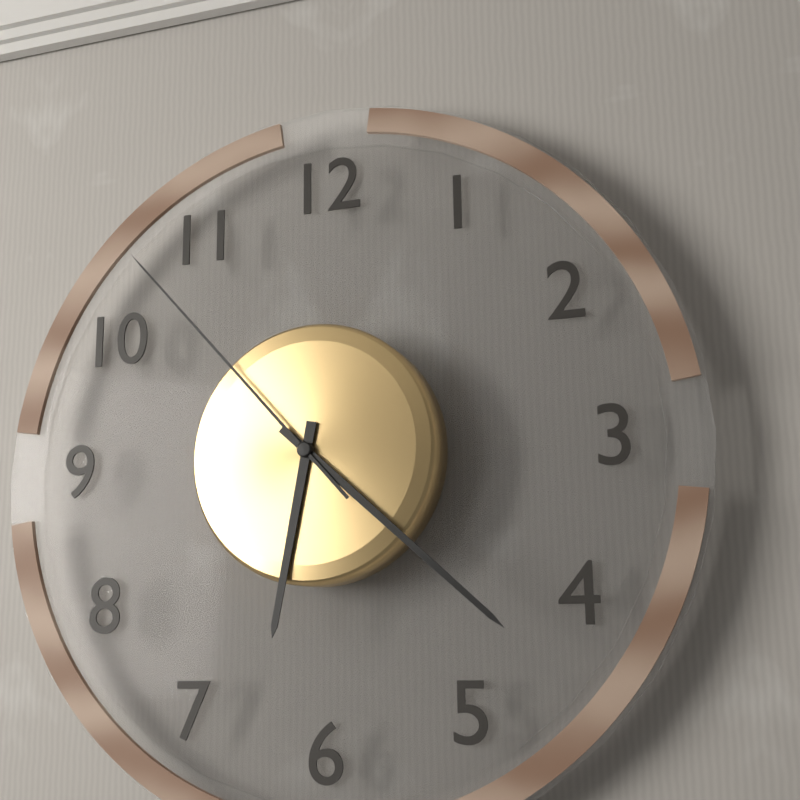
6,22,53
